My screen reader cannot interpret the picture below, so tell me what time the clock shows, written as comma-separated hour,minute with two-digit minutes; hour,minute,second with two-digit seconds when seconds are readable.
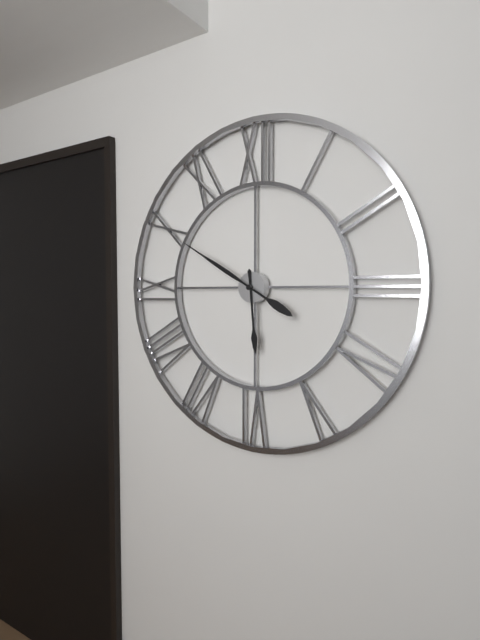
5,50
